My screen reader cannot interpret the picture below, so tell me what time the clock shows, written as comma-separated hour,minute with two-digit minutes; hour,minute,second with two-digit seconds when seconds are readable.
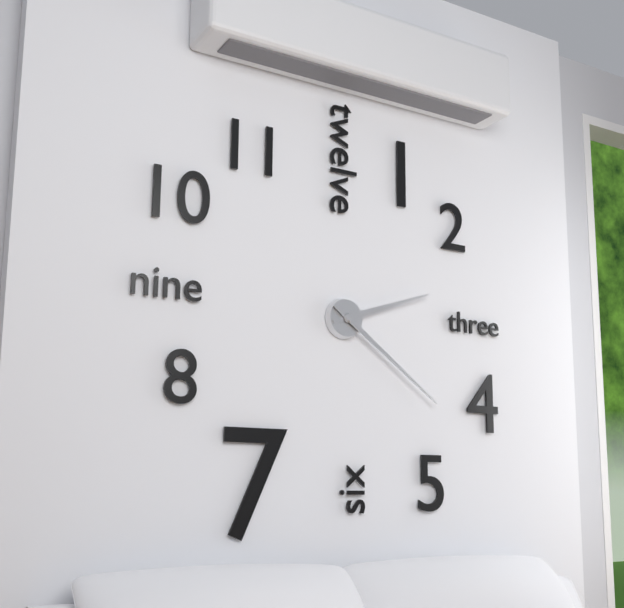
2,21
